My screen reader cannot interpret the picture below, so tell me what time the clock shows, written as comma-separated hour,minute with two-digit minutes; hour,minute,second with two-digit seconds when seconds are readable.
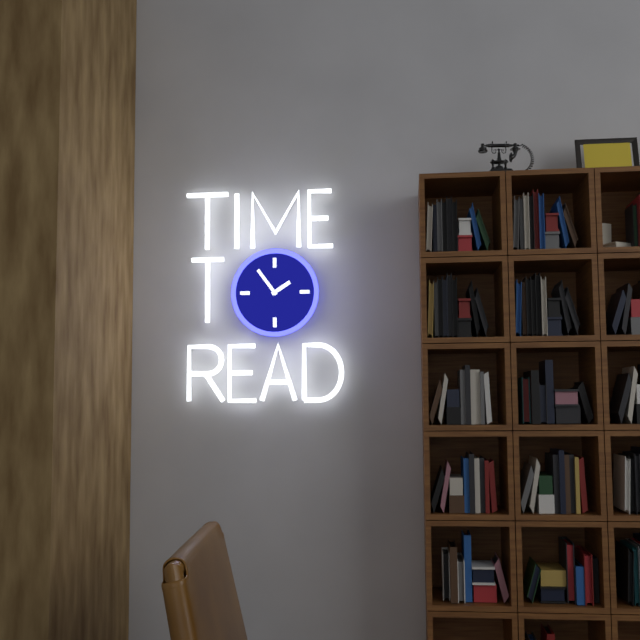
1,54
